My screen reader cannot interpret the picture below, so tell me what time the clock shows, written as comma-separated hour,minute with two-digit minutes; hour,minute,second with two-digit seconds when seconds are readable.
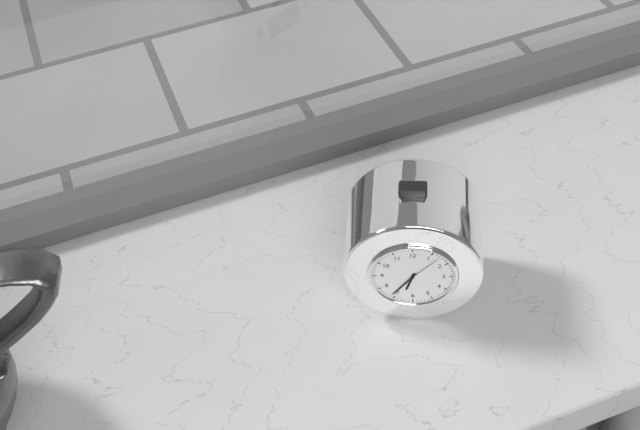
6,36
